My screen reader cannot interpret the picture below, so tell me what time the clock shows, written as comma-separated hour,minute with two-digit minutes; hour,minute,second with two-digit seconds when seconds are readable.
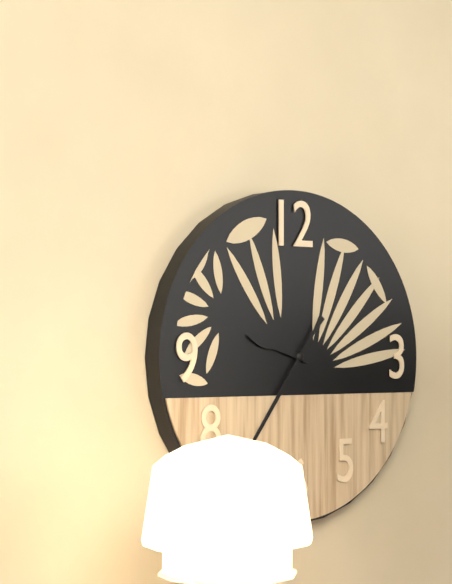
9,36
